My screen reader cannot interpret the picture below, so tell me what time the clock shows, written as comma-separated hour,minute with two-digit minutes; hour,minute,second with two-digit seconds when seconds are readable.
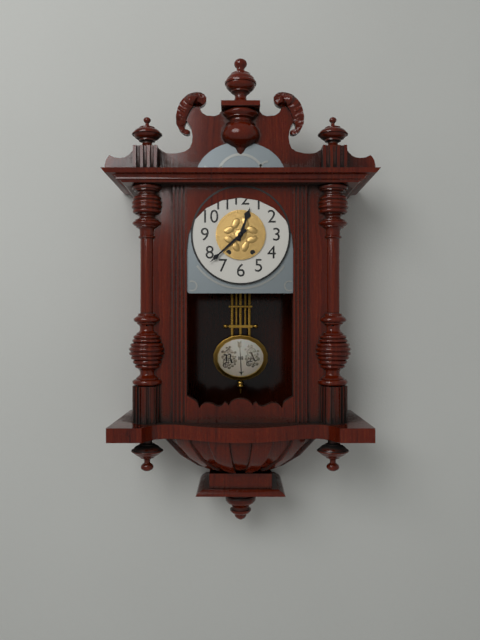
12,38
